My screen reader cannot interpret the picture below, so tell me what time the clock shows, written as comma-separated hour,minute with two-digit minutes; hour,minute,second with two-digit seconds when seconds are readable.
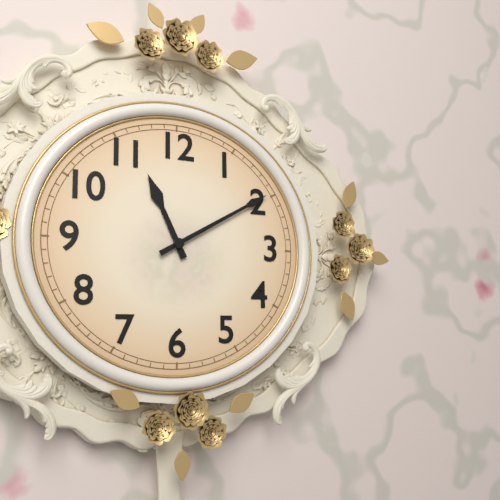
11,10
